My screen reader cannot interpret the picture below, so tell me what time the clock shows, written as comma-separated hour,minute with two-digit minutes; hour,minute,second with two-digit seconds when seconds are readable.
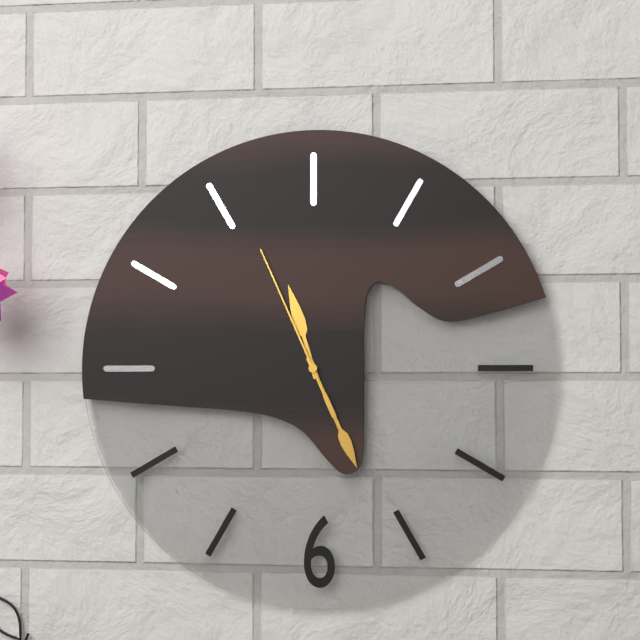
11,26,56
